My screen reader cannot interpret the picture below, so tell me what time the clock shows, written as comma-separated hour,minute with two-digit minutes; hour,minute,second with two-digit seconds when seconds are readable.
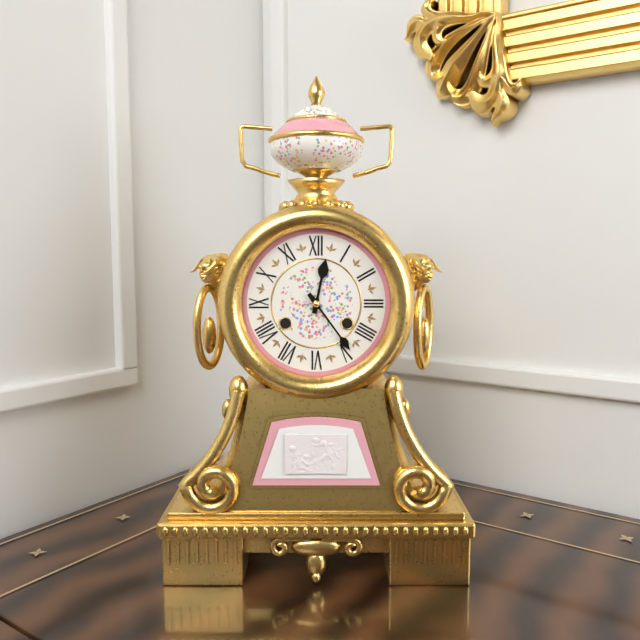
12,24
